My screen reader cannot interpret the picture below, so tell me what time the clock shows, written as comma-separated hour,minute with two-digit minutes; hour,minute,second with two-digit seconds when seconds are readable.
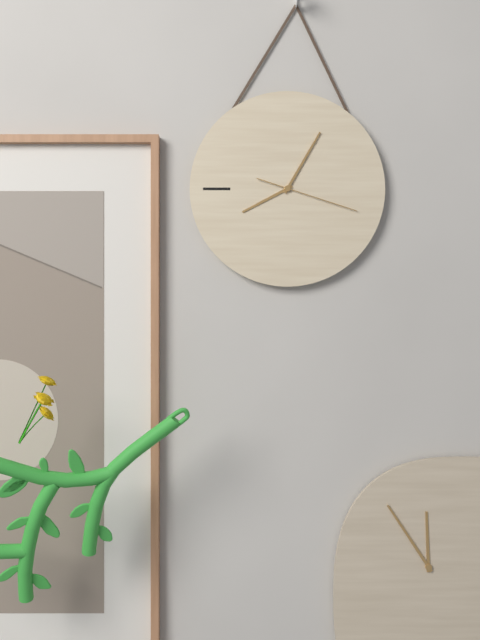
8,05,18
